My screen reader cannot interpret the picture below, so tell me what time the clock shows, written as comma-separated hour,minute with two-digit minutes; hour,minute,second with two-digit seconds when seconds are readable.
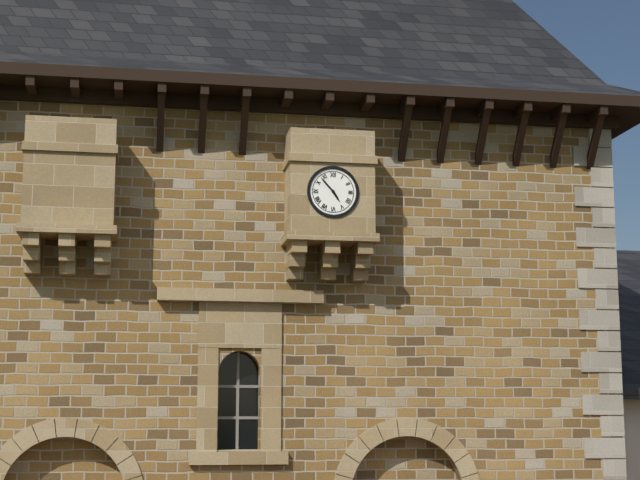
4,53
